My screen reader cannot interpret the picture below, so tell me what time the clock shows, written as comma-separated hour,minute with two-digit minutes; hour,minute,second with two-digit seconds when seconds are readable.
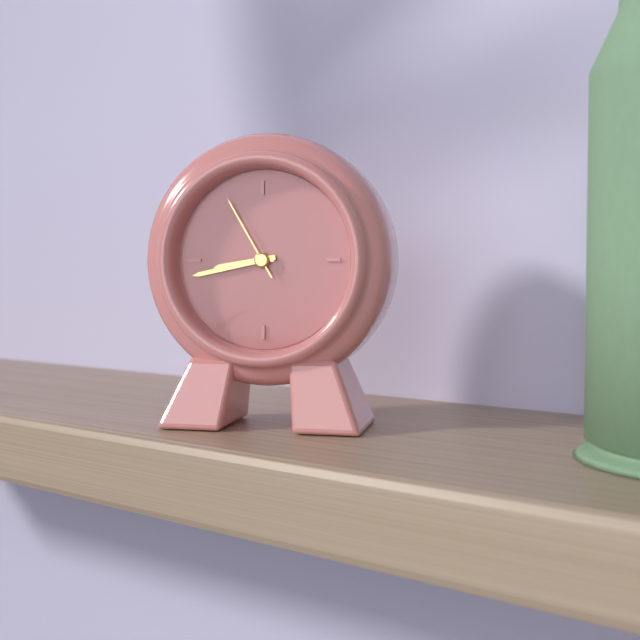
8,43,55
